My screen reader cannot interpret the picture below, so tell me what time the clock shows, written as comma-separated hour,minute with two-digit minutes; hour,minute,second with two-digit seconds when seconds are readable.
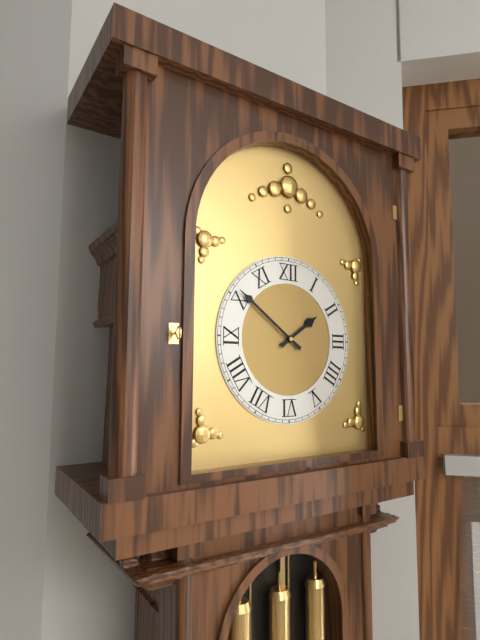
1,51
